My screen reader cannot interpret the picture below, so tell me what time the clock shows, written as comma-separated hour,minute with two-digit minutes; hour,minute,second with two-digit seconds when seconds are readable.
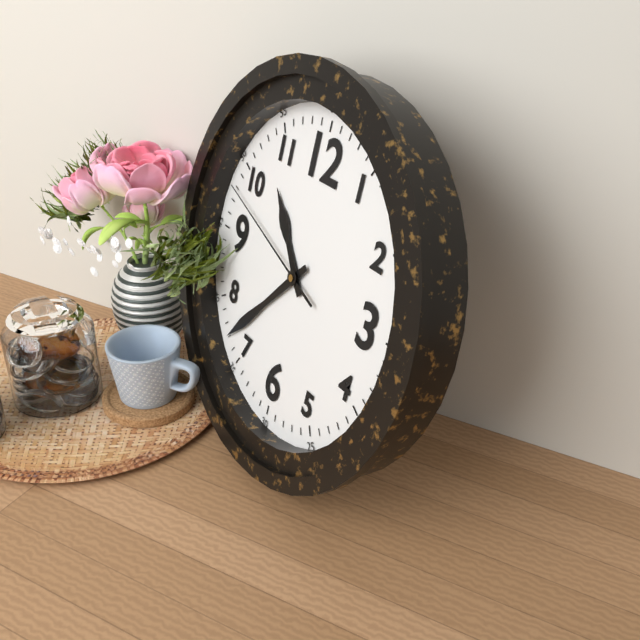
10,37,48
